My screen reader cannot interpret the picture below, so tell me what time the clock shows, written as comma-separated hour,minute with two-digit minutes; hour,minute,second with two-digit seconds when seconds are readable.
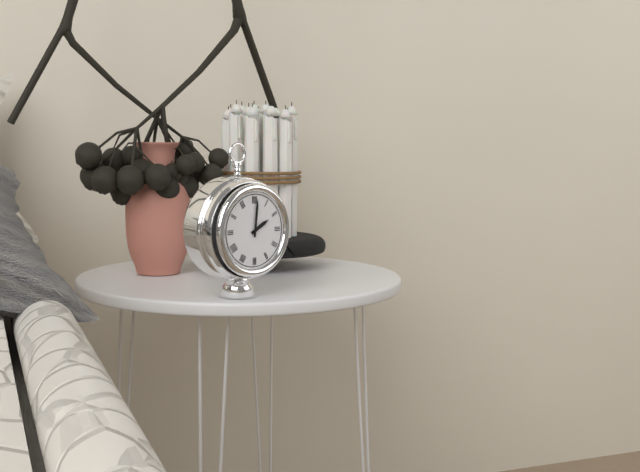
2,01
